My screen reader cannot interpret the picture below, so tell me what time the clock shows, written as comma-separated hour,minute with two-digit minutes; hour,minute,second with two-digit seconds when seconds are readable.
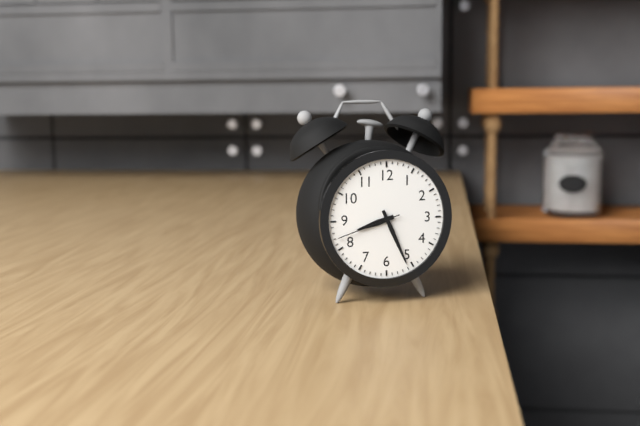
8,26,42
